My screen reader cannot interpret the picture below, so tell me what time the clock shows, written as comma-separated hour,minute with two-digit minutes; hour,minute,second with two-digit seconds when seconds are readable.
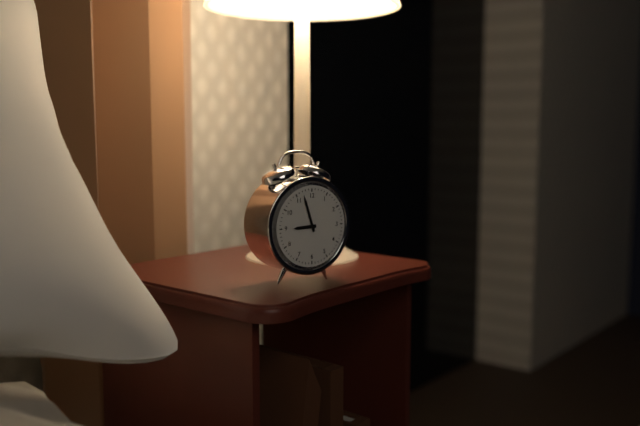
8,57
